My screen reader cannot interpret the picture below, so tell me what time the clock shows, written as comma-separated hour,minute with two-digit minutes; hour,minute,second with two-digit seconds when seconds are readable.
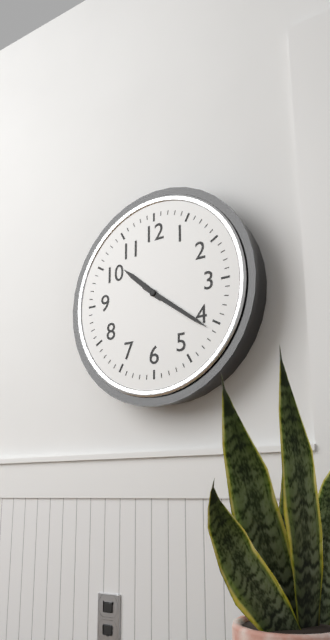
10,21
